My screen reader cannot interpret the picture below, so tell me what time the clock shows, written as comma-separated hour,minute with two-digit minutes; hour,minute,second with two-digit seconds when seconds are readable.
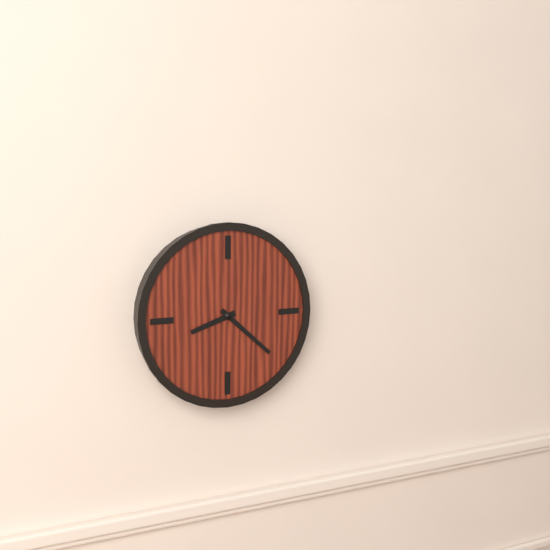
8,22
